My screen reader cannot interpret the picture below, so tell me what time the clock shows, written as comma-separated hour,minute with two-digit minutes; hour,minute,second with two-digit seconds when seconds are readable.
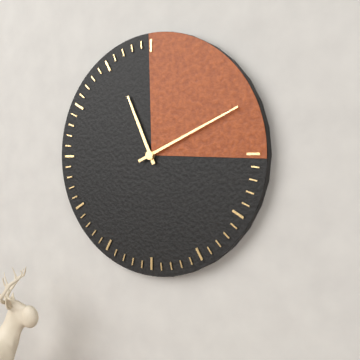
11,11
